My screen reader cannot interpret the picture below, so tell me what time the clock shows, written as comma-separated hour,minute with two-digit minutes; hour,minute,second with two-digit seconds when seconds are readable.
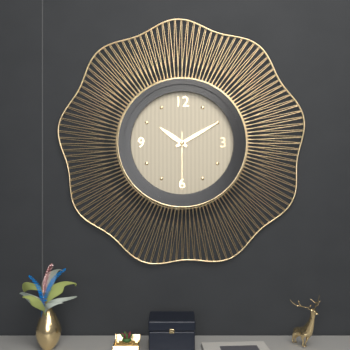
10,10,30
